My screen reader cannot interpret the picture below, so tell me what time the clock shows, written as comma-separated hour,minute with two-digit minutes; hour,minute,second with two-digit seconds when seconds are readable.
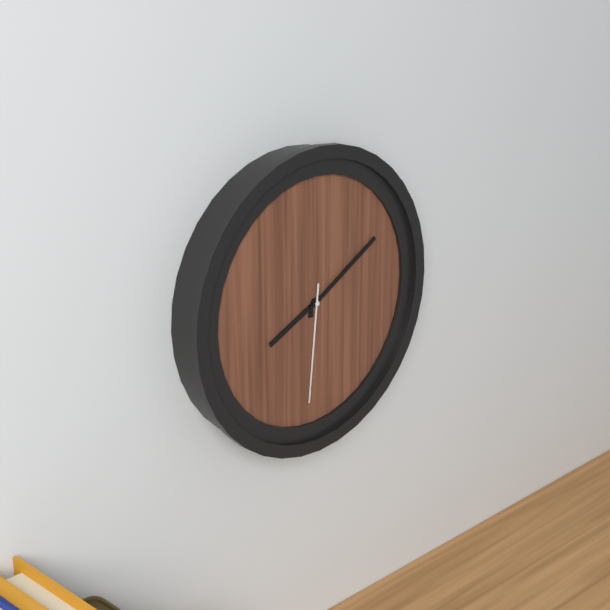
8,10,31
